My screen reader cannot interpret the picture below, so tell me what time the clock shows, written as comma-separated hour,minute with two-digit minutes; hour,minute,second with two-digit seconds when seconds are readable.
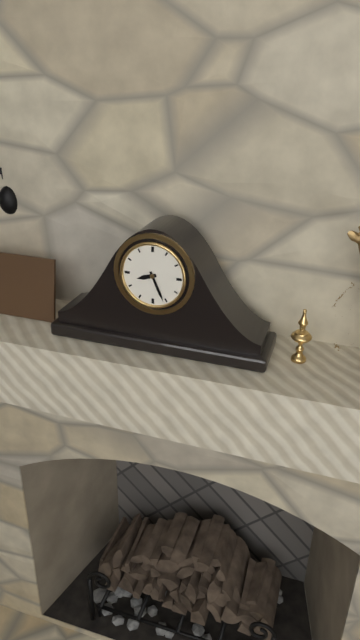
8,26
